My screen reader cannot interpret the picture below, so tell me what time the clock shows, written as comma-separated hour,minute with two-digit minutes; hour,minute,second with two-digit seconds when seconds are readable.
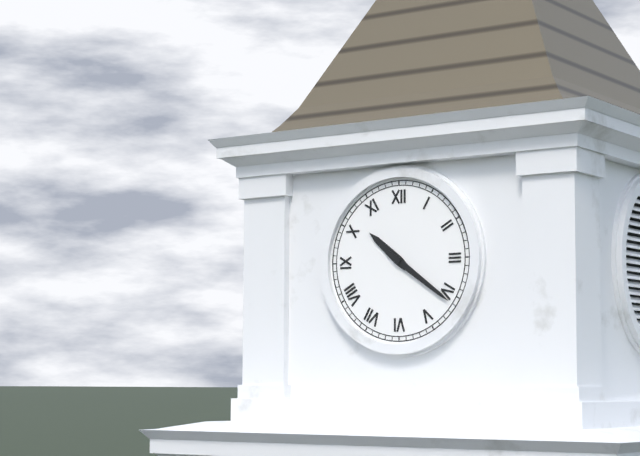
10,21
